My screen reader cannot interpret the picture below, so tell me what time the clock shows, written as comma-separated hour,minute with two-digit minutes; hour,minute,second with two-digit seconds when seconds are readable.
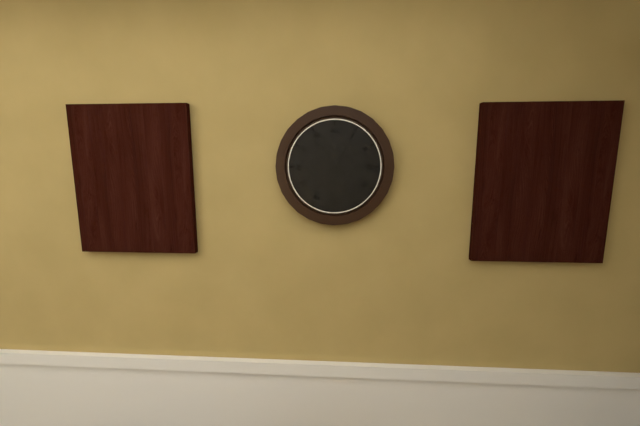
12,54
